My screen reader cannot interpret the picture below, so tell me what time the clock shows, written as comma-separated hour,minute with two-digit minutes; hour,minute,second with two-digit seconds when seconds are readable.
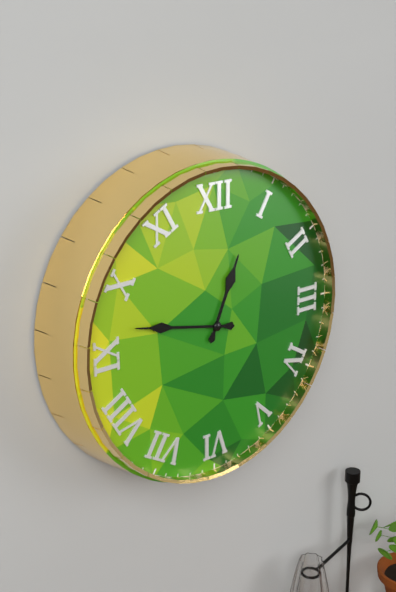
12,47
